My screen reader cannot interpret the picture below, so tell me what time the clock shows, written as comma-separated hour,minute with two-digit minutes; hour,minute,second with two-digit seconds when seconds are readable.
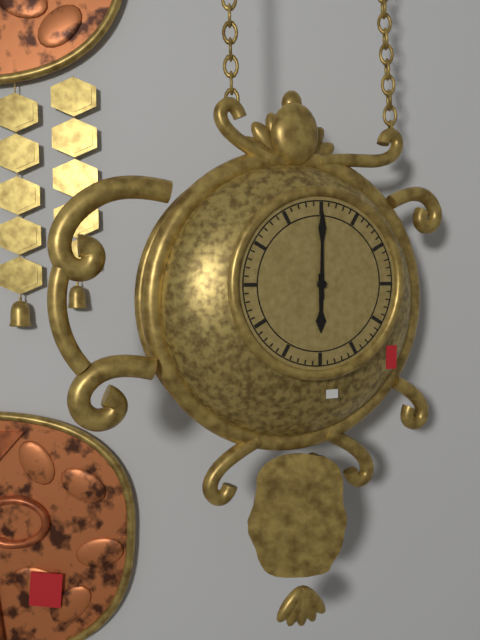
6,00
